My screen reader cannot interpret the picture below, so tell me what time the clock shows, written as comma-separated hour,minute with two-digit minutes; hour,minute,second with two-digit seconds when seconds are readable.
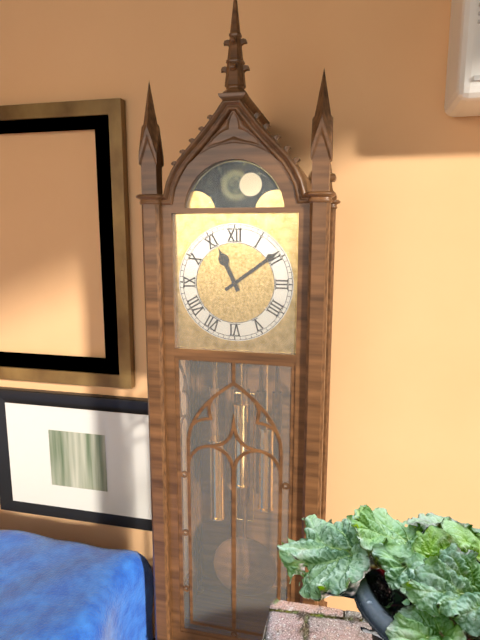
11,09
